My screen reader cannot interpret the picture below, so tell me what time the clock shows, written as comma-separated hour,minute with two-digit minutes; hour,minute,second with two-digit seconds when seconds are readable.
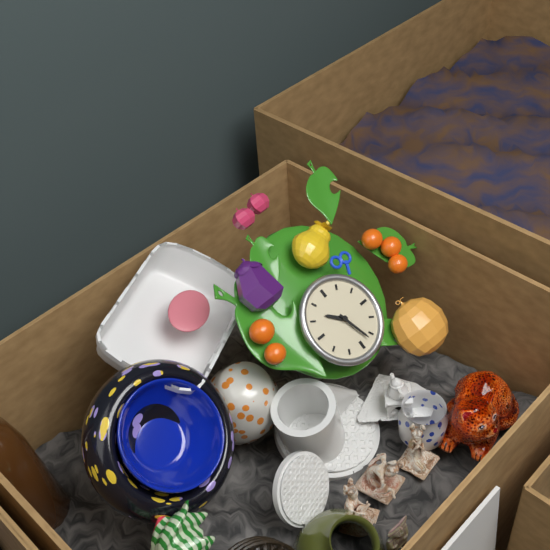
10,27
